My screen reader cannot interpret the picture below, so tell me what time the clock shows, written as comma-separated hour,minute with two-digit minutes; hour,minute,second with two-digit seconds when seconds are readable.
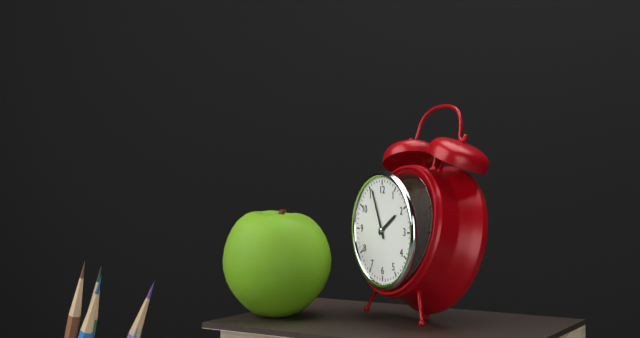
1,56
